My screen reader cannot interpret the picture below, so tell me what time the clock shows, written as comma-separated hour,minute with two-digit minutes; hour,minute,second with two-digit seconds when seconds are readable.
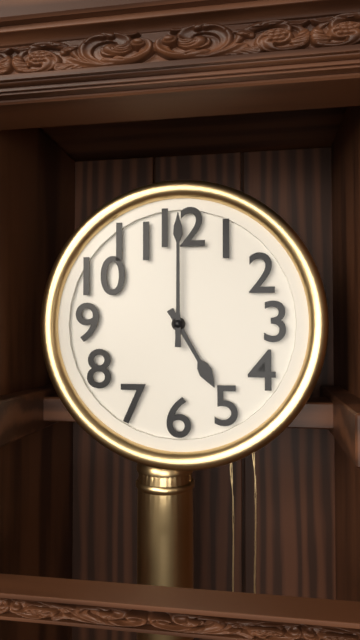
5,00
